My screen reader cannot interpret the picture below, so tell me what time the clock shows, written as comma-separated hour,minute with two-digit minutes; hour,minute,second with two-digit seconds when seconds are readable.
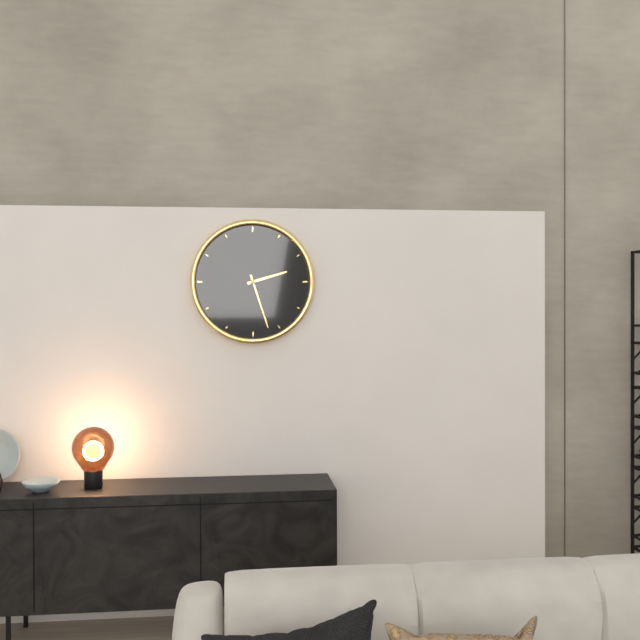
2,27
